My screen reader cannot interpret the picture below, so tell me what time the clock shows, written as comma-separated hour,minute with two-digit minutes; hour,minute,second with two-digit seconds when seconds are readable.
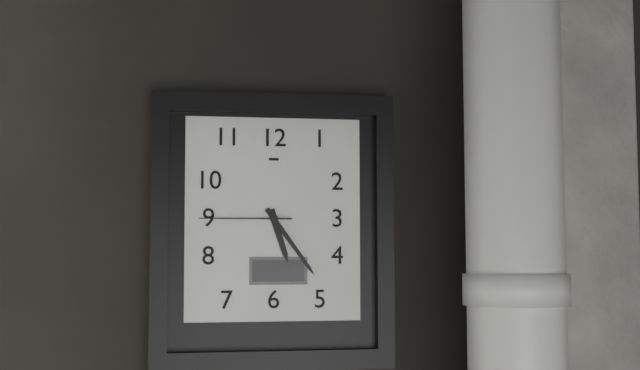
5,24,45
